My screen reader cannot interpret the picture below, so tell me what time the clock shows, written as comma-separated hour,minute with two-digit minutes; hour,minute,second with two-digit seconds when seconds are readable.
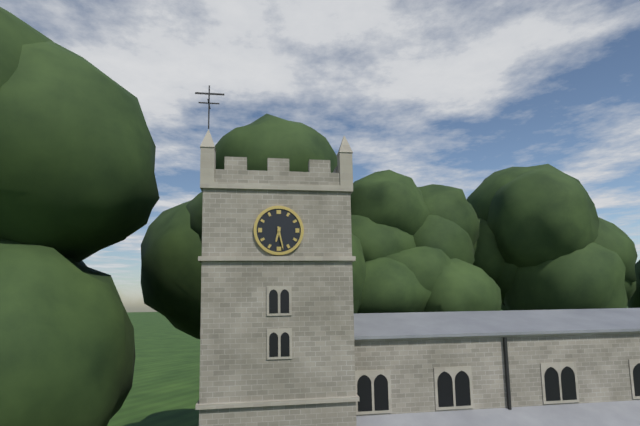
6,28
